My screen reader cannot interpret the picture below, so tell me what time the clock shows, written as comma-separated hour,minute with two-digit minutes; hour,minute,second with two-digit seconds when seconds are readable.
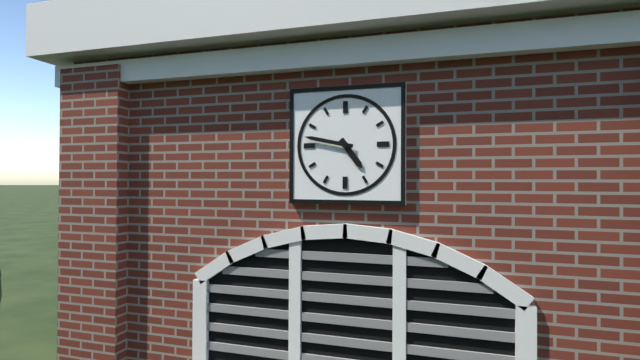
4,47
